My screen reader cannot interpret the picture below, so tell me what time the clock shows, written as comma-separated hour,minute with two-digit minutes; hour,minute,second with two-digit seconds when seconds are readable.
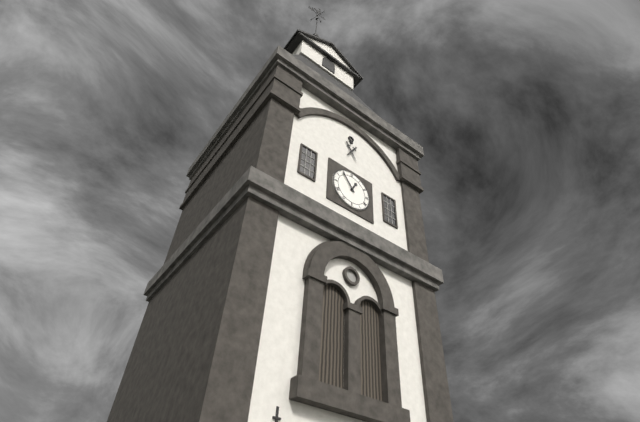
12,54
